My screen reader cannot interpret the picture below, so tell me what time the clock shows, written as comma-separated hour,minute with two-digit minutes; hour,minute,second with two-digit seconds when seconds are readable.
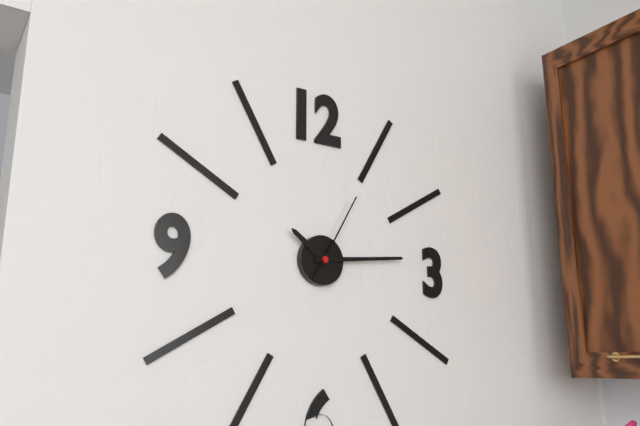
10,14,05
